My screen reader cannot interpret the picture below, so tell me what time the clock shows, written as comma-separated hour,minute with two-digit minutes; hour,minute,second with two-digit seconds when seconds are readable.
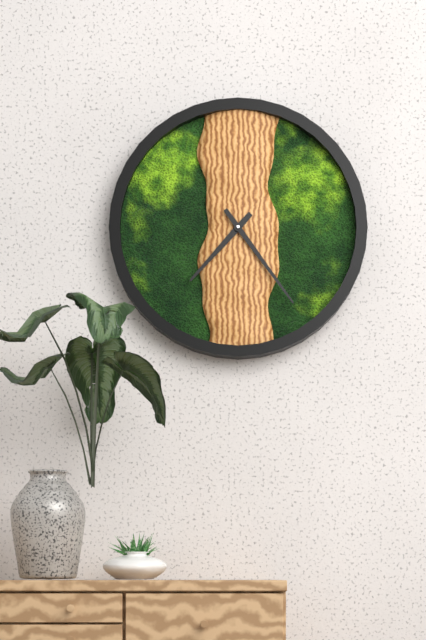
7,24
